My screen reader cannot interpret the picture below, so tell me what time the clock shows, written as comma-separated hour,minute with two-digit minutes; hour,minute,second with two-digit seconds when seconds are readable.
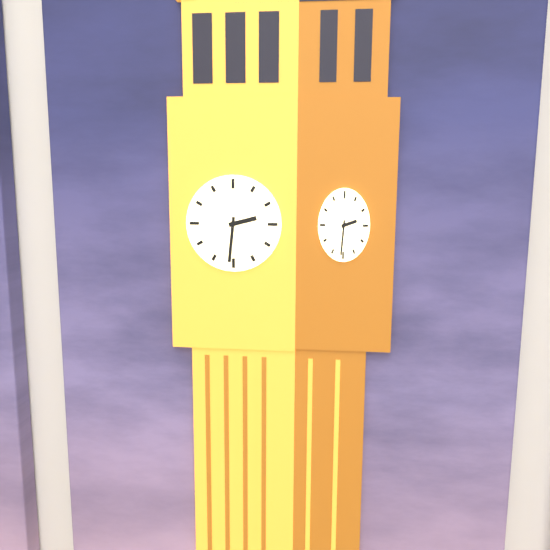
2,31
